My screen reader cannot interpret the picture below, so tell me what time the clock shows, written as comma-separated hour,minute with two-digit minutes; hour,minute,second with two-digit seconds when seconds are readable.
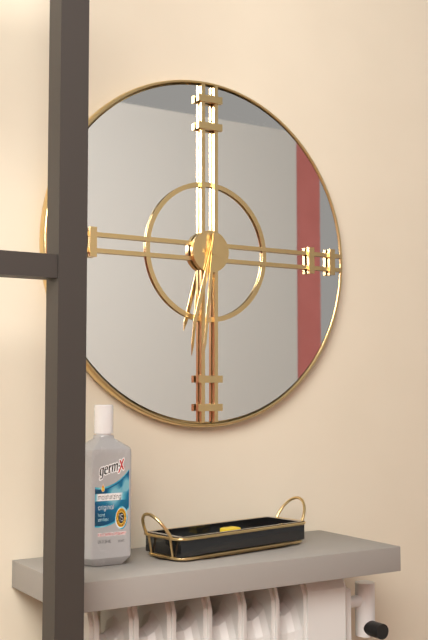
6,31
